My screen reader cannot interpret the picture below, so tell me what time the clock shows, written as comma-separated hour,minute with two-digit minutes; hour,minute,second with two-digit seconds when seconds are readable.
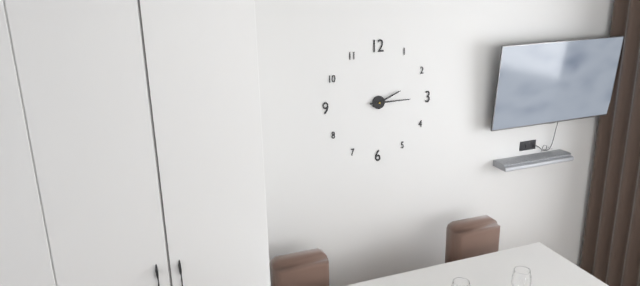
2,15
